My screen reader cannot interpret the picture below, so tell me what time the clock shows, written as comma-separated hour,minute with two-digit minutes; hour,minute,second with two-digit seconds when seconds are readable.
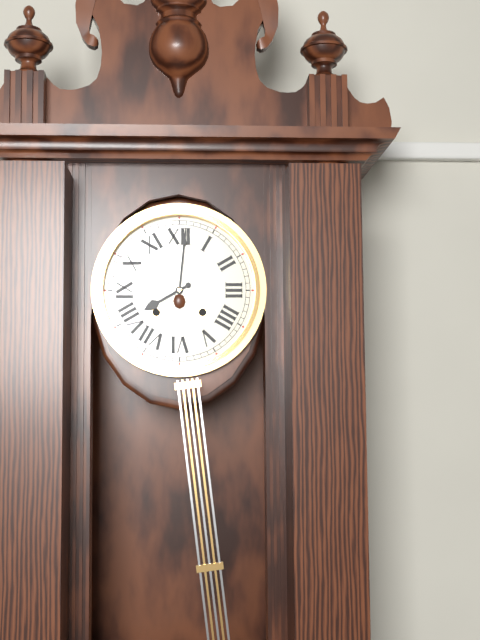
8,01
